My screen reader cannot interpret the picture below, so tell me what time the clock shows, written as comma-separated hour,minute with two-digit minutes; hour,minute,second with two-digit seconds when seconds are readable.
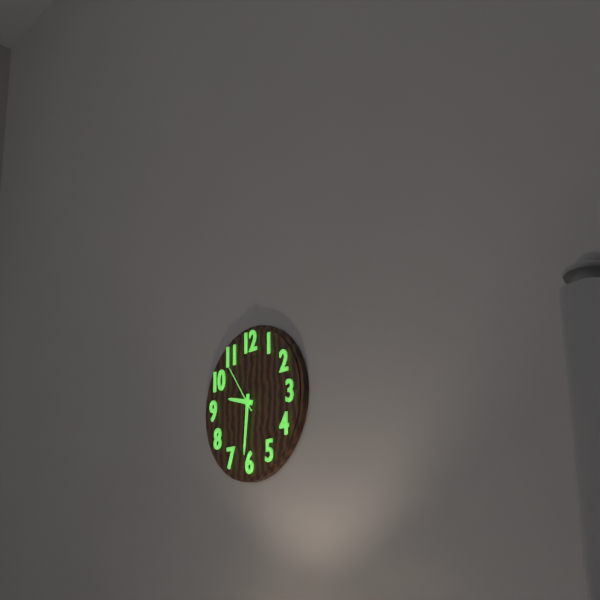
9,31,54
